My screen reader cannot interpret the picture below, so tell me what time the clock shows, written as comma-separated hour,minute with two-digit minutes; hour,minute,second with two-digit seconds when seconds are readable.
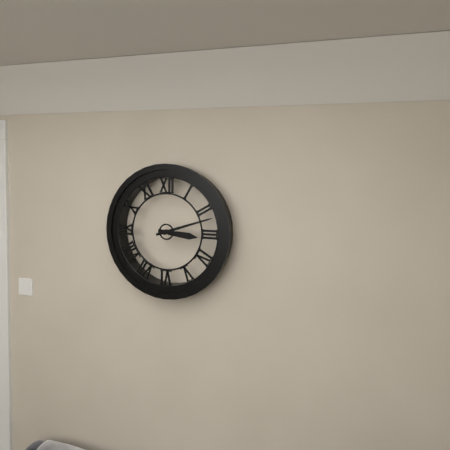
3,12
